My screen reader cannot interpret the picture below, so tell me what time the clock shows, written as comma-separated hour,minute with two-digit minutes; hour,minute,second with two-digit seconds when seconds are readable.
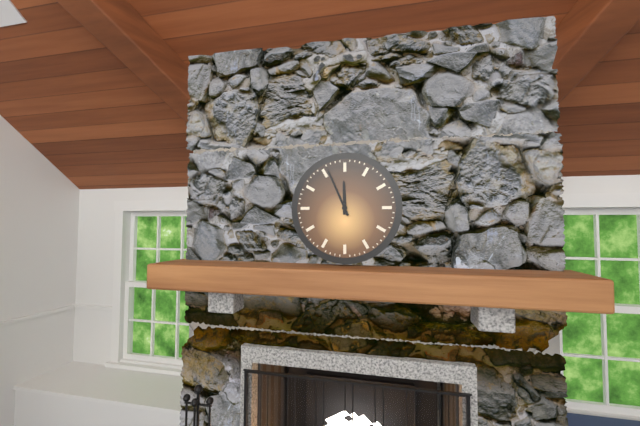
11,56
